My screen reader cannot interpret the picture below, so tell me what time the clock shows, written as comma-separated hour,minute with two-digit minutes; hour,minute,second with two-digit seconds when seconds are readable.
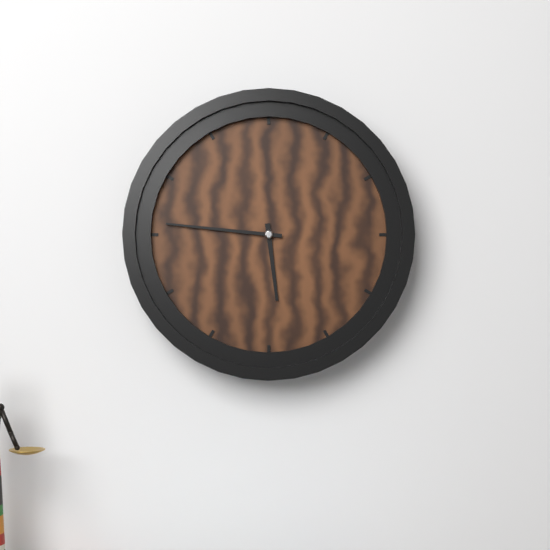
5,46
